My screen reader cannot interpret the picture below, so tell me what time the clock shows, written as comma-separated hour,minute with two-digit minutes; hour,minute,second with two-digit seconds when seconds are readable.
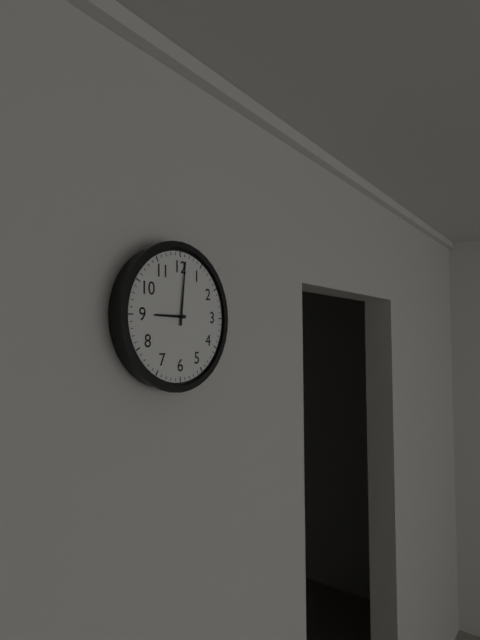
9,01
